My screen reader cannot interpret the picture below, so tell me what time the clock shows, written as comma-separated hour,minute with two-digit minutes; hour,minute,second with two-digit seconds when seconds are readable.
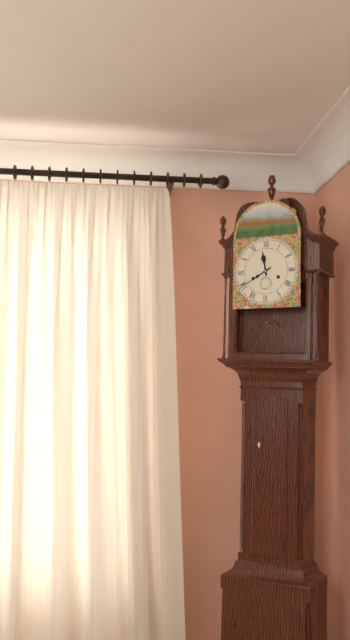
11,40
